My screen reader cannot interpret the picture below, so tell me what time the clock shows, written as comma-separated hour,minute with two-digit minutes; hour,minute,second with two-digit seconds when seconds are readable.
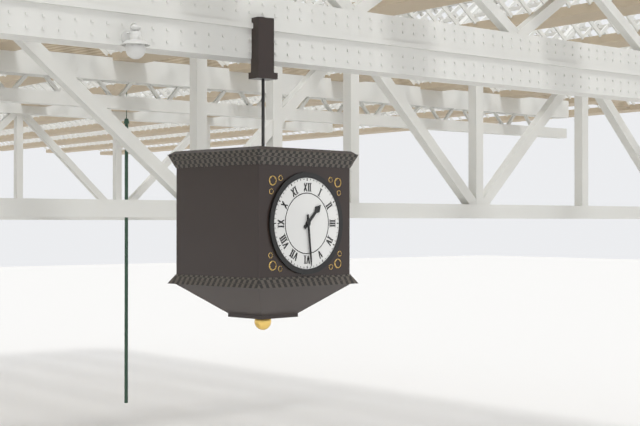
1,29
